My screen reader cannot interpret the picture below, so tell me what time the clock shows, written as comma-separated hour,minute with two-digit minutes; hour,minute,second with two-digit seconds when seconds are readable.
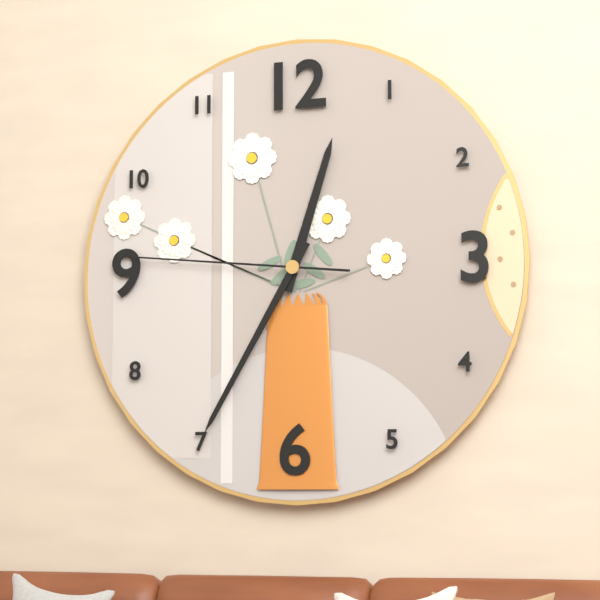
12,35,46
